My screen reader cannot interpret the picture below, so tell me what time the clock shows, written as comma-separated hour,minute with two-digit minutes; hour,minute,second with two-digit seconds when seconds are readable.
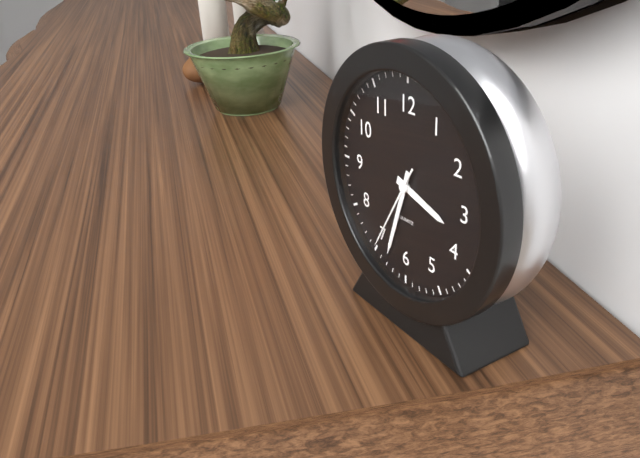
3,33,35
